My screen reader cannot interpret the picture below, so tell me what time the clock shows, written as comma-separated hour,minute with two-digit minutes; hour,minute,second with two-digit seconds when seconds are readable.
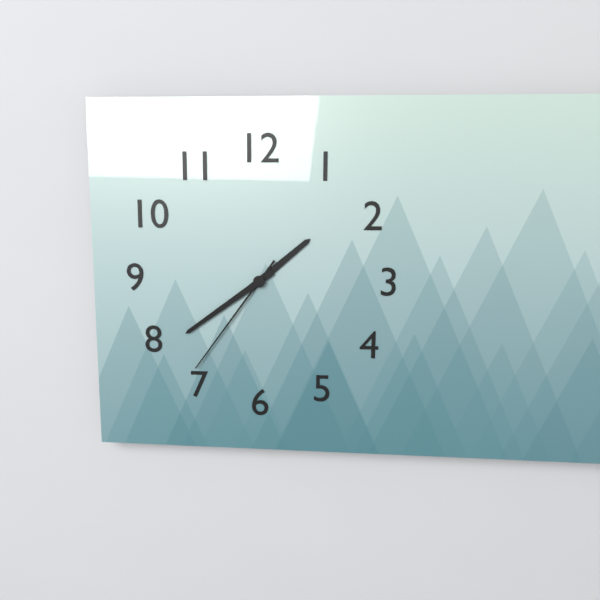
1,39,36
